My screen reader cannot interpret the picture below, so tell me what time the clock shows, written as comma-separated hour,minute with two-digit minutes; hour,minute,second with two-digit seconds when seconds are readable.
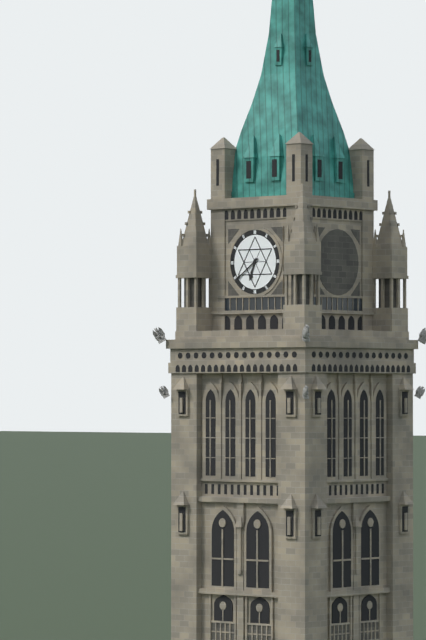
6,39
